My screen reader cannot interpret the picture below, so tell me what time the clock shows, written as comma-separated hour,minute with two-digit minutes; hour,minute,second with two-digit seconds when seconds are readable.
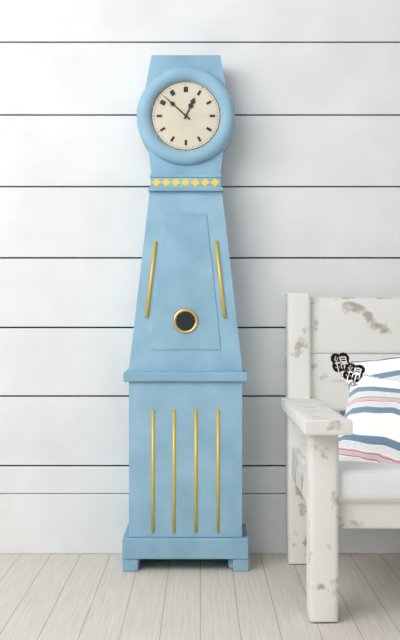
12,52
